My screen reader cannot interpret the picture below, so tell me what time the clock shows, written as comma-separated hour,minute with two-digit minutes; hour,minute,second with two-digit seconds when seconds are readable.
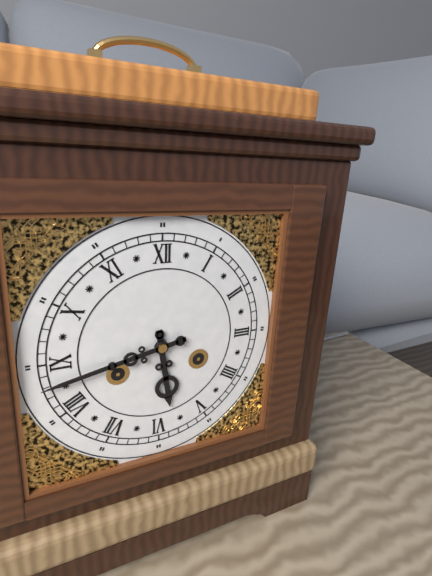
5,43
